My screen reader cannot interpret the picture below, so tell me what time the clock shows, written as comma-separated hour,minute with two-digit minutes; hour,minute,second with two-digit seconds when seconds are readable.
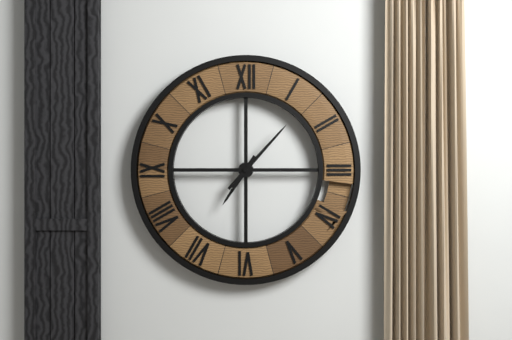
7,07
